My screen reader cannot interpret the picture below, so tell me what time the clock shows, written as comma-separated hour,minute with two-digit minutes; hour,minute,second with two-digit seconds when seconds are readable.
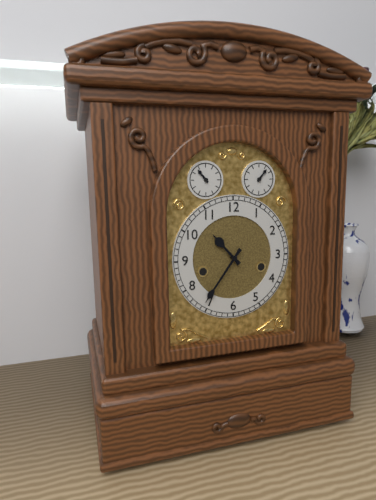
10,36
